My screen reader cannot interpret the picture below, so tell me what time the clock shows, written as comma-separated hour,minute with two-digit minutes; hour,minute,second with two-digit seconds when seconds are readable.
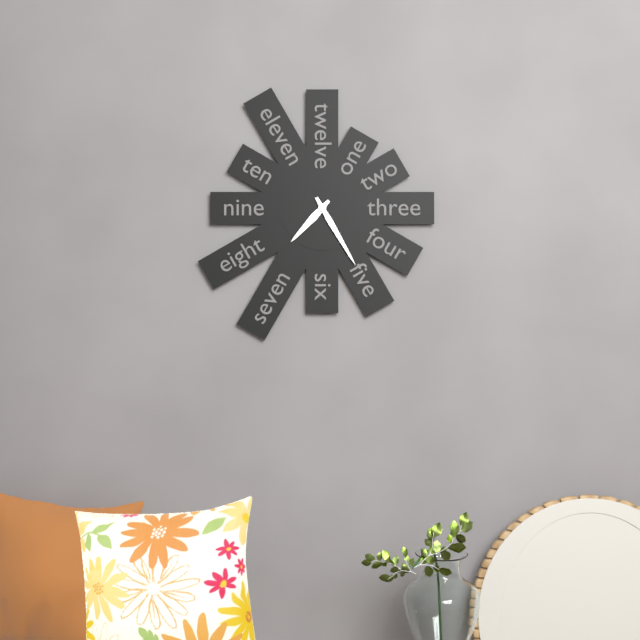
7,25
